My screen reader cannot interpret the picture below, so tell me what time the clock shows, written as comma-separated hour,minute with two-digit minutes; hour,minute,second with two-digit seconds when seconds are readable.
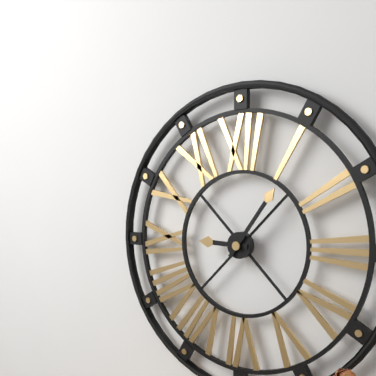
9,06
